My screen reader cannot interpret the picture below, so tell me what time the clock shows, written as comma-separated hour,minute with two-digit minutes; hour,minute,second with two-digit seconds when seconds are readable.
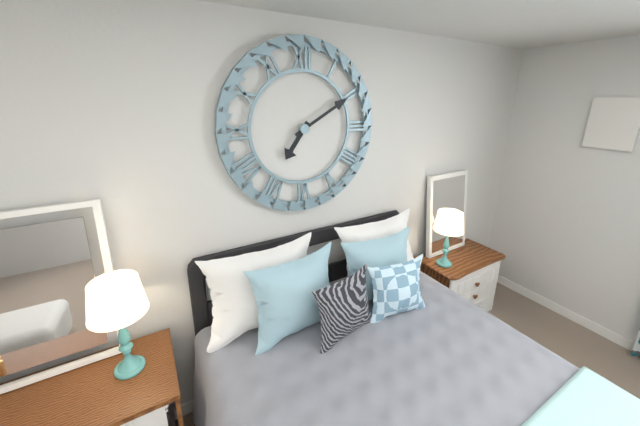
7,10
